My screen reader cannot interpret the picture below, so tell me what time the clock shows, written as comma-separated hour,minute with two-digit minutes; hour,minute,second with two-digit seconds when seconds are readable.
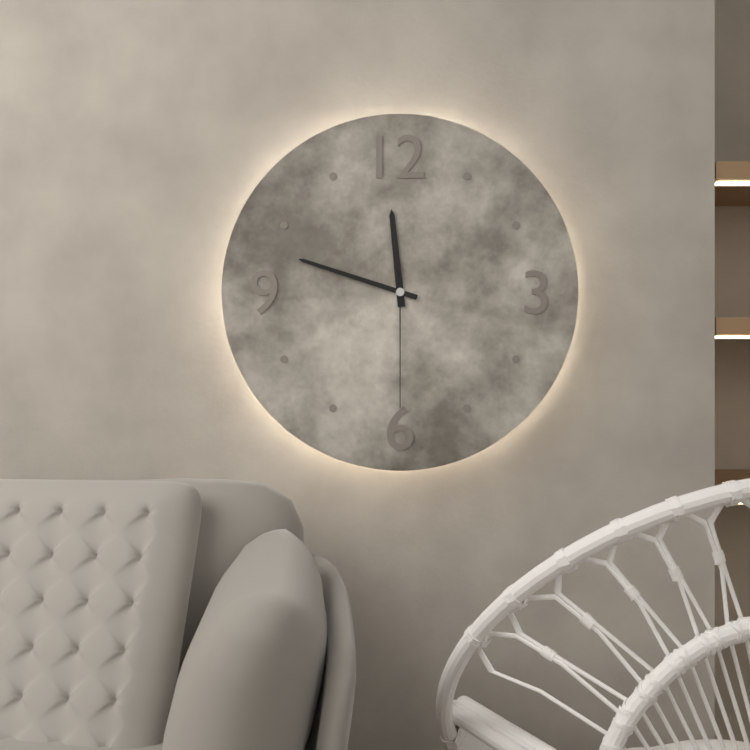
11,48,30
